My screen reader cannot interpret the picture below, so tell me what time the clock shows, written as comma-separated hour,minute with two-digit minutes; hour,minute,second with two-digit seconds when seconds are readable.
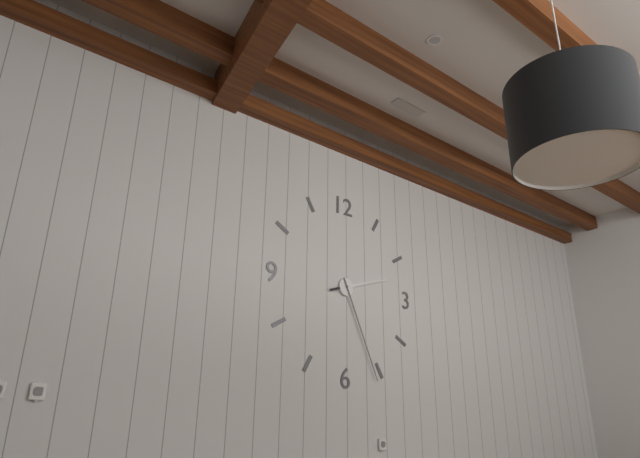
2,26
